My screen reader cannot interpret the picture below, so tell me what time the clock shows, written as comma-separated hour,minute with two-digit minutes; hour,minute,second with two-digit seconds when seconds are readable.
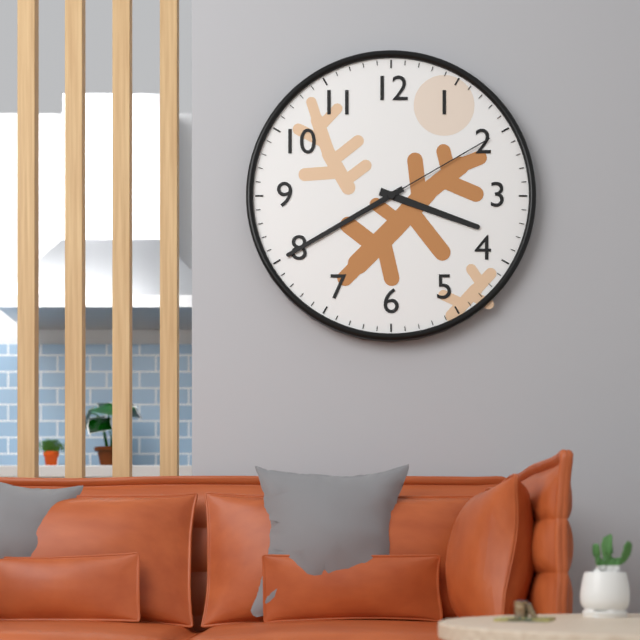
3,40,10
